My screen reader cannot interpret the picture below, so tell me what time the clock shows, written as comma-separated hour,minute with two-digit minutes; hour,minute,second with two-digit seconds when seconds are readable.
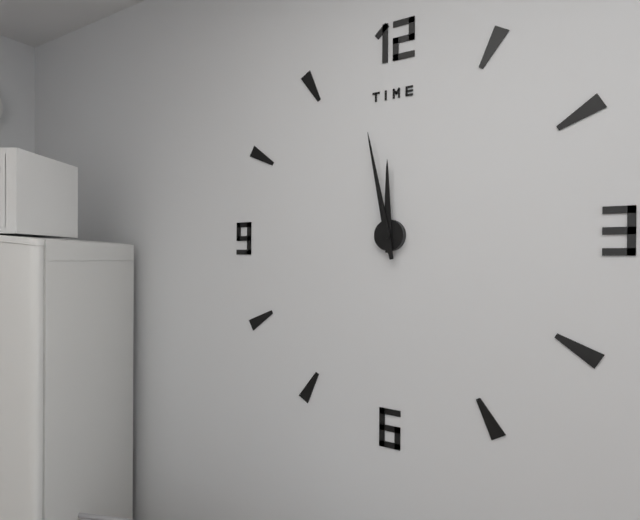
11,58
